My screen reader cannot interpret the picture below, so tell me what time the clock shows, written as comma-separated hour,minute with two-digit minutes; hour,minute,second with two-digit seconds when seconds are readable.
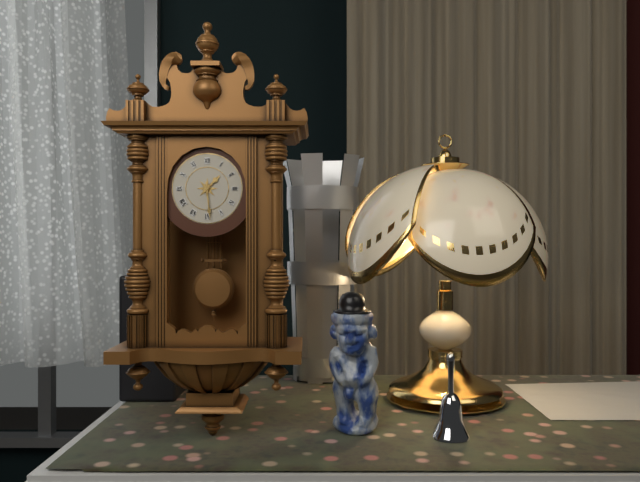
1,29
